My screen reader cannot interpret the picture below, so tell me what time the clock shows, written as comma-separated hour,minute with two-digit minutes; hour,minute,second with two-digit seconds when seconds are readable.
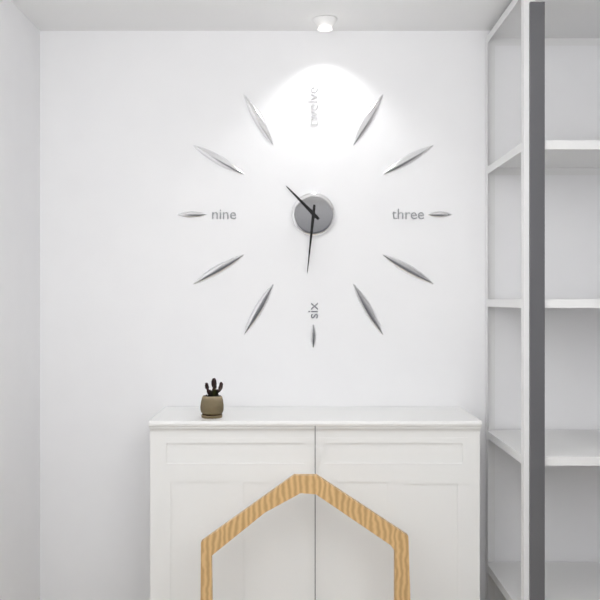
10,31
